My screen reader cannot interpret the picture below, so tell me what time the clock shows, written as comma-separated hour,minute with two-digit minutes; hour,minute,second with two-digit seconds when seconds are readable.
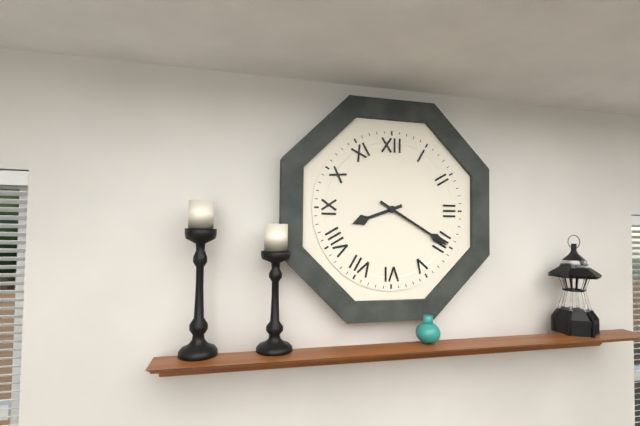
8,20
